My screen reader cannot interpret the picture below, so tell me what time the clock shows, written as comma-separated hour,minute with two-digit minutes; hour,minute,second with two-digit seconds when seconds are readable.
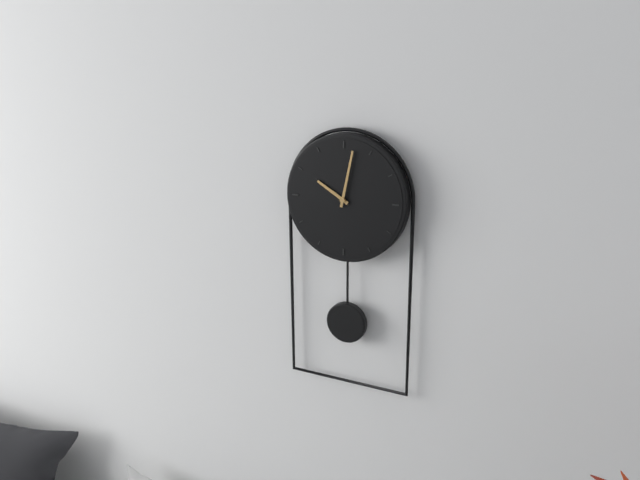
10,02
